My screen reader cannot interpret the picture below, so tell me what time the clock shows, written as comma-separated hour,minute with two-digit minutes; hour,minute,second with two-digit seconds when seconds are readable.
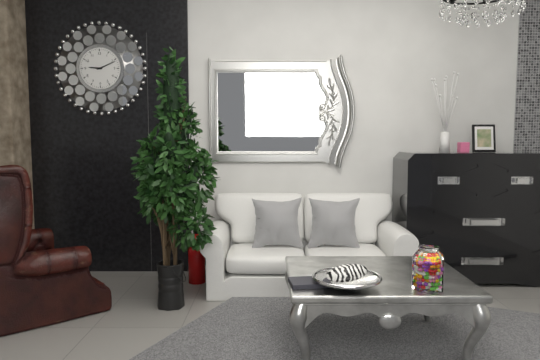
9,11
